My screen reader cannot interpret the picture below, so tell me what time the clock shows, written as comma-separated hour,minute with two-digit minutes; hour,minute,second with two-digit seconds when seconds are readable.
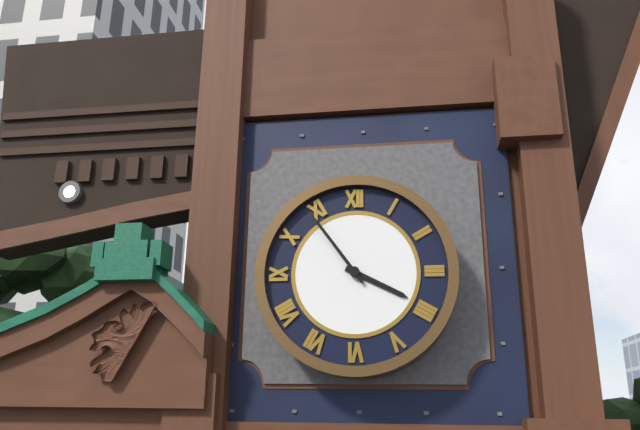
3,54
